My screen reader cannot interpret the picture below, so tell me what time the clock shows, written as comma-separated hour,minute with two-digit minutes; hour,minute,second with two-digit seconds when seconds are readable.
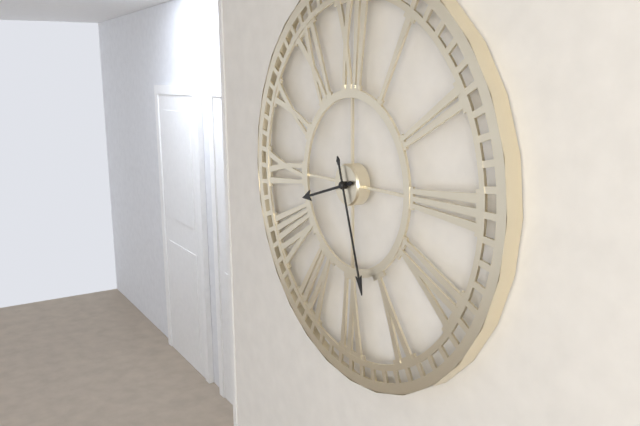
8,27
